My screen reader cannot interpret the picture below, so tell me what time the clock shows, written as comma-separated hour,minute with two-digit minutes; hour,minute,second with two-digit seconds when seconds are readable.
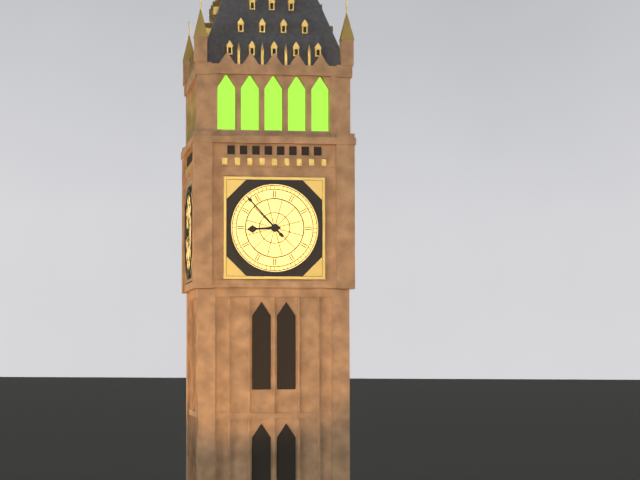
8,53
